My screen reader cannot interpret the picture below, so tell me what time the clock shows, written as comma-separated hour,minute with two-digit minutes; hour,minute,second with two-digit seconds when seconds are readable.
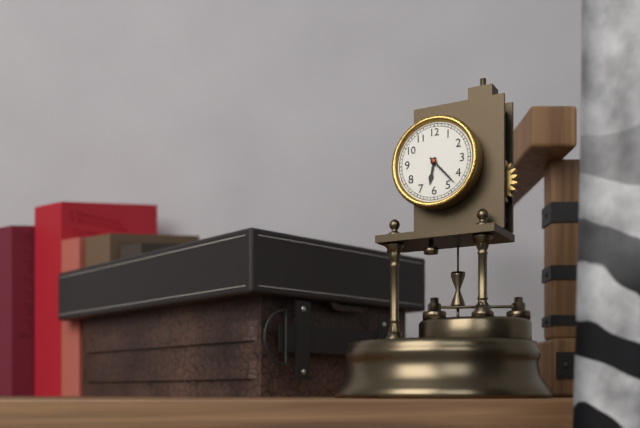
6,23
